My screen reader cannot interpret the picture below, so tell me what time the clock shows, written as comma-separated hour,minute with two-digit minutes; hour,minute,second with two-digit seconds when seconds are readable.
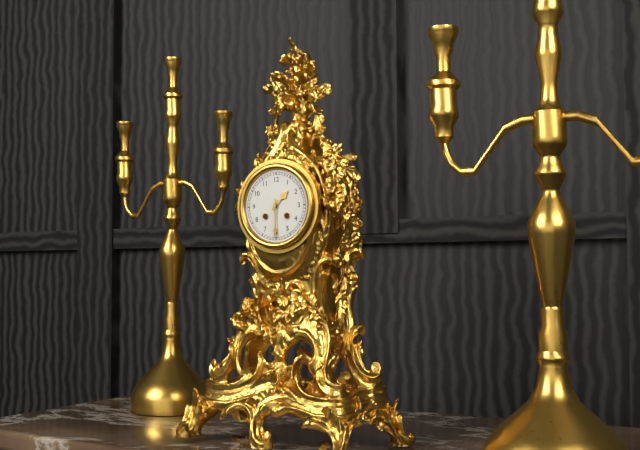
1,30
